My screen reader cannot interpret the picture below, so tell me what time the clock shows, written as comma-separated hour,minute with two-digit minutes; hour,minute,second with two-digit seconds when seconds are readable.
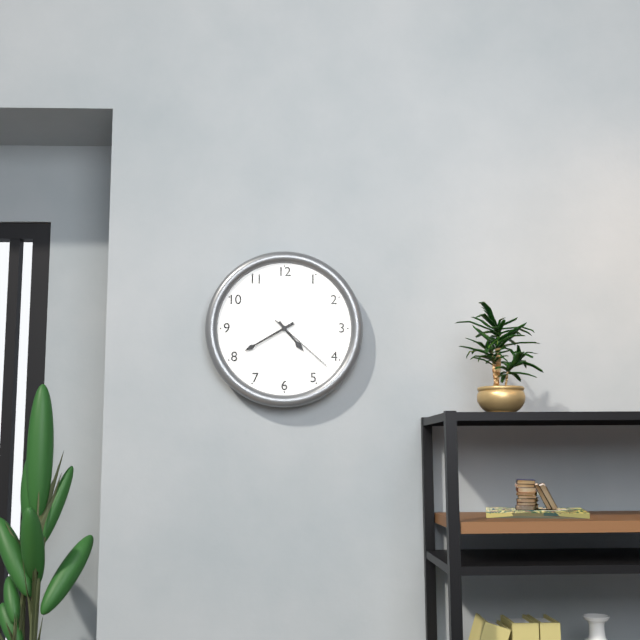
4,40,22
